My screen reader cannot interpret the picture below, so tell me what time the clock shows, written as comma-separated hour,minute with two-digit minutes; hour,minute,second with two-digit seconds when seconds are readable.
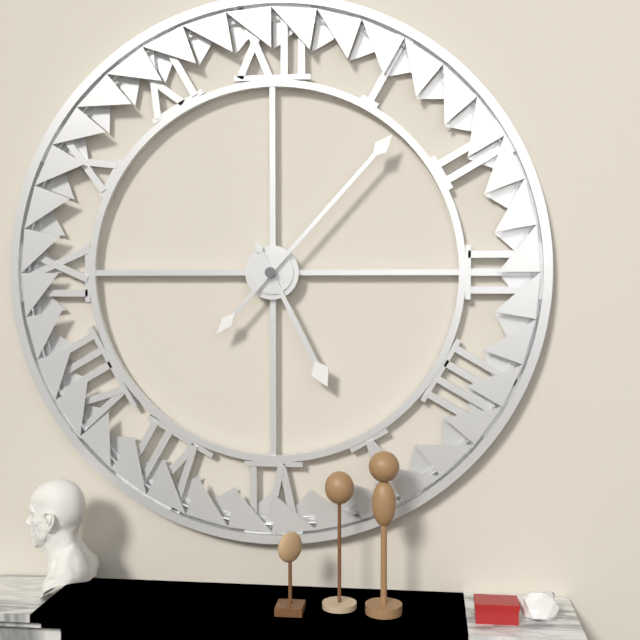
5,07
